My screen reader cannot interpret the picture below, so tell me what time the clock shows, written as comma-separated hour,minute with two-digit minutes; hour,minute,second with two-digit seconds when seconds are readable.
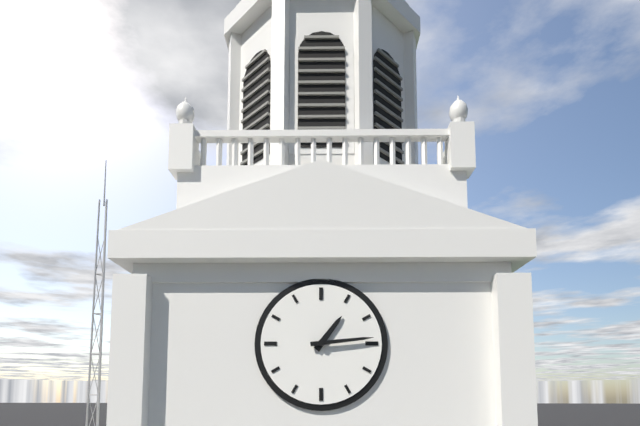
1,14
